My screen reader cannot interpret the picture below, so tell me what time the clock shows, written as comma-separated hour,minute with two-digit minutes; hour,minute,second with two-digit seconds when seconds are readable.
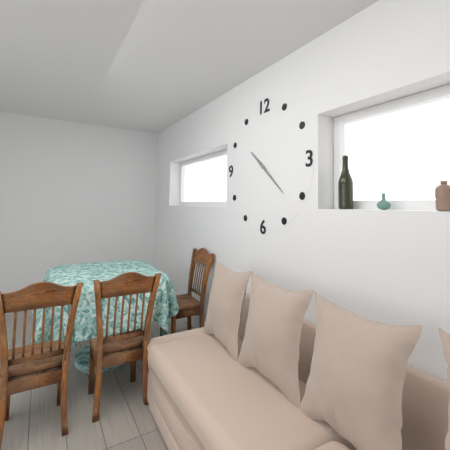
10,22
